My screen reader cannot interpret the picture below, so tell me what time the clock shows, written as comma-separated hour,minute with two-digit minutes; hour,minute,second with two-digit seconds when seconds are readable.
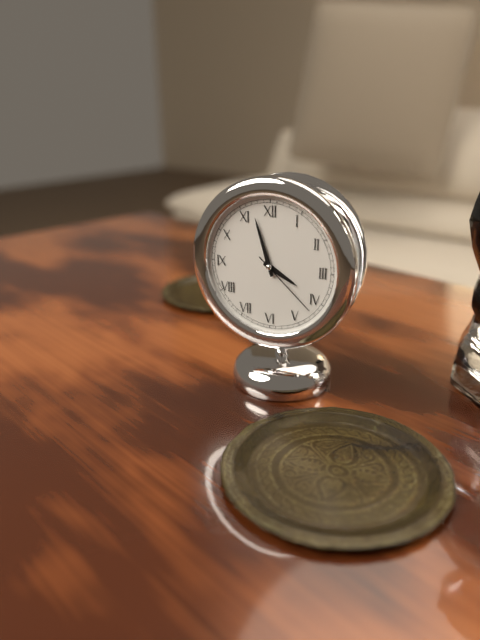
3,57,22
